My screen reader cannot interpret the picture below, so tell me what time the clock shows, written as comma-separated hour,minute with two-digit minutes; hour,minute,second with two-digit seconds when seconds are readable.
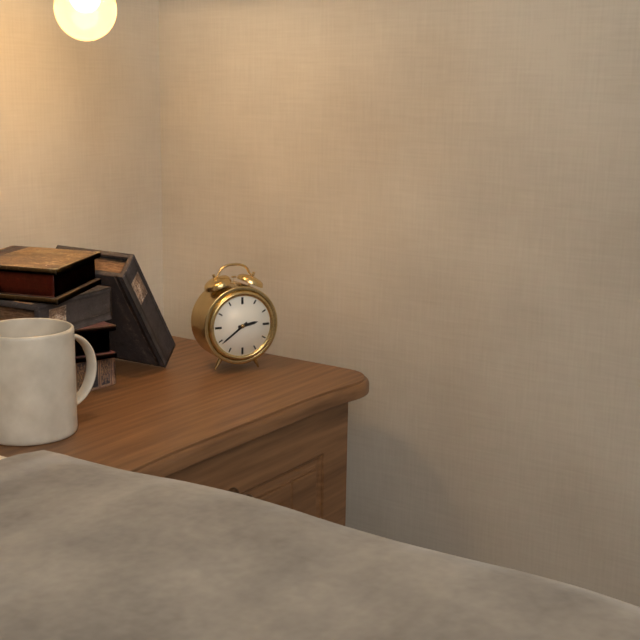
2,39
